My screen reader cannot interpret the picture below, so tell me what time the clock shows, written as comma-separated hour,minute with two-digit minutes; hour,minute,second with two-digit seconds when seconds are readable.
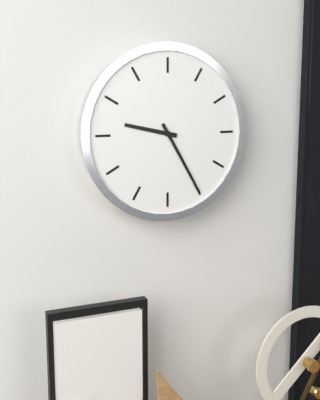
9,25
